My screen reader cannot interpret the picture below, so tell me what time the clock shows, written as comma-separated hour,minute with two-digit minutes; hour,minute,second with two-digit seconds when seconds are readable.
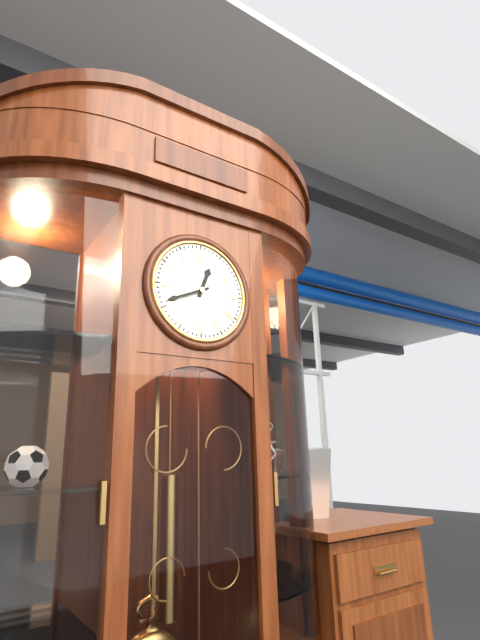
12,41
